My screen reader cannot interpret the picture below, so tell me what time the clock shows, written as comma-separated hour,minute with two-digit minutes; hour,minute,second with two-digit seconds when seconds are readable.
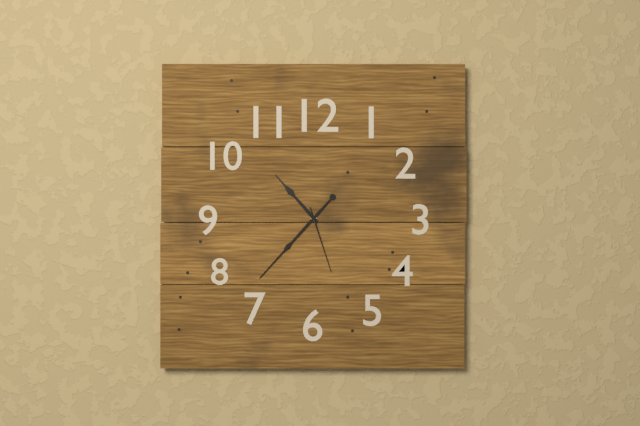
10,37,27
